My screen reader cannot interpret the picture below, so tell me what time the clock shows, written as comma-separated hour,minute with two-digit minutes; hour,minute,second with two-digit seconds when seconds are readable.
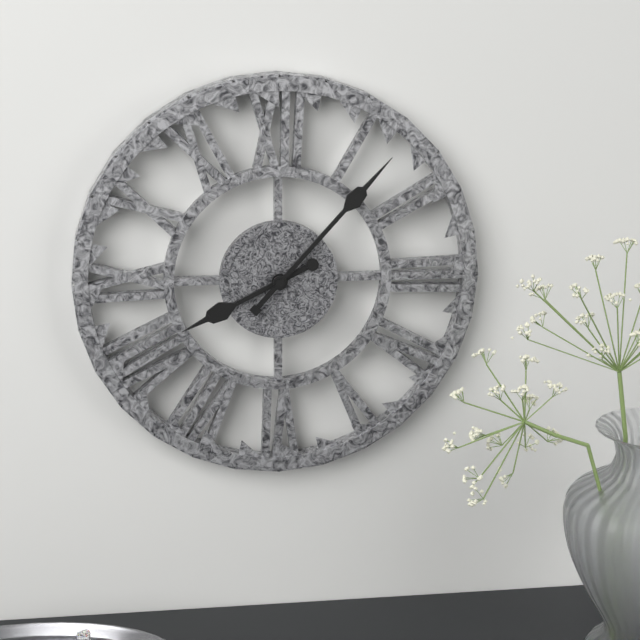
8,07
